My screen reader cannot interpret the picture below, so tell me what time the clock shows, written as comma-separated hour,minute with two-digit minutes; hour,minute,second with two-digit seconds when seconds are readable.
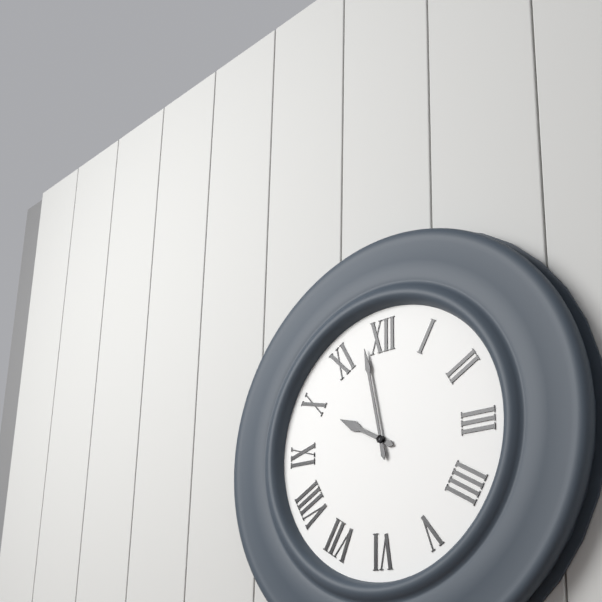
9,58
